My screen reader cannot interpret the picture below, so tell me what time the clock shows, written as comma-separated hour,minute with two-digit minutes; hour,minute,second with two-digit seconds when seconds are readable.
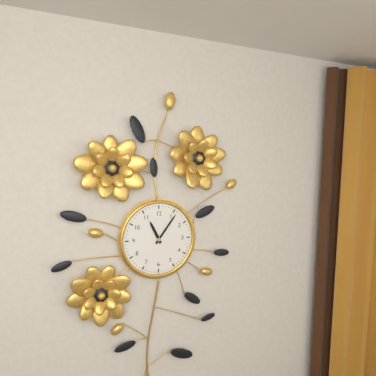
11,06
